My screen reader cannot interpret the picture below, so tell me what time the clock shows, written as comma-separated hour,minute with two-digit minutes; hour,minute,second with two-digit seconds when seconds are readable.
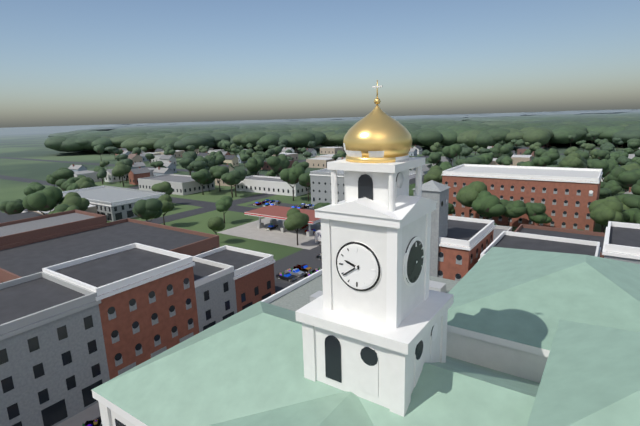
9,39
